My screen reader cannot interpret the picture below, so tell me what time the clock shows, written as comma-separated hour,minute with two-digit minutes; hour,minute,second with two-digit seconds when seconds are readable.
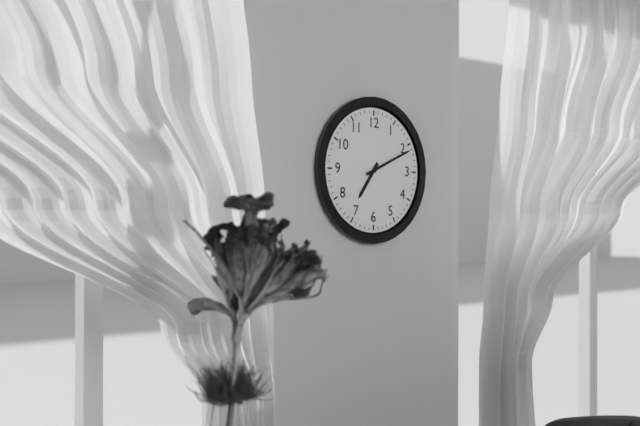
7,11
